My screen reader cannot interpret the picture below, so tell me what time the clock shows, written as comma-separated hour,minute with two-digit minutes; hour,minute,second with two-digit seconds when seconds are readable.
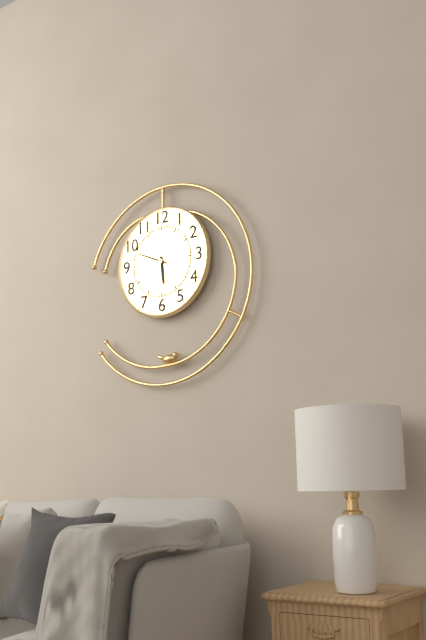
5,49
